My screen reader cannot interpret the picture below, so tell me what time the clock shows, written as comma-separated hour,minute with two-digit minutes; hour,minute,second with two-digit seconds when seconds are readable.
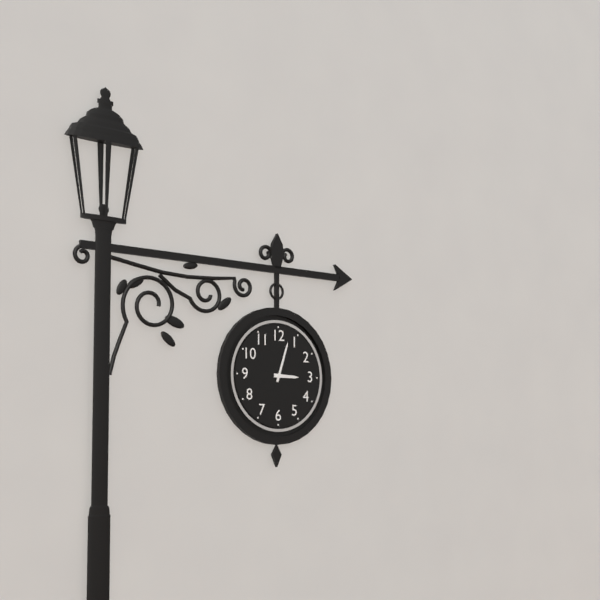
3,03
